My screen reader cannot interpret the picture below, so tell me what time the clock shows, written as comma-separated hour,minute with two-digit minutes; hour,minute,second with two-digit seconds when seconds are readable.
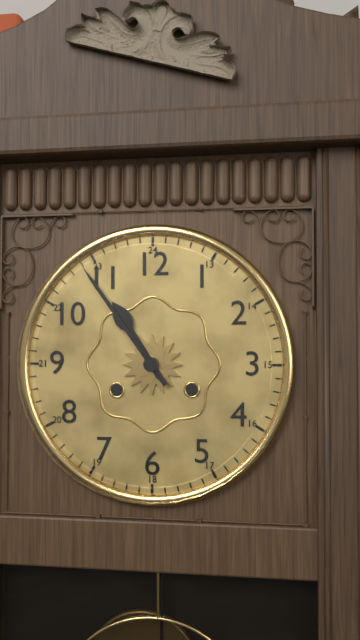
10,54
